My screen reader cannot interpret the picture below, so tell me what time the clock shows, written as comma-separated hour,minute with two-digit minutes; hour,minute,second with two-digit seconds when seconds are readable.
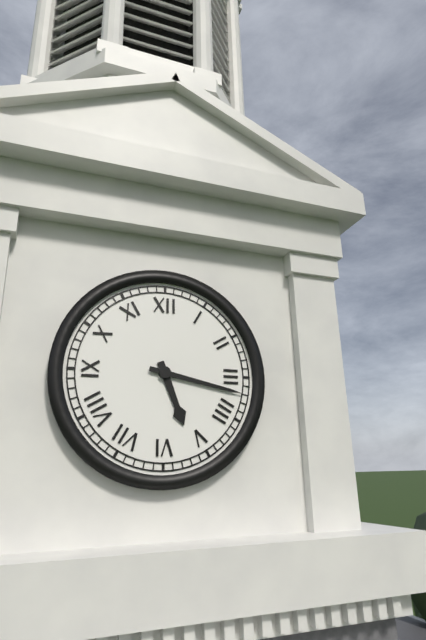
5,17
